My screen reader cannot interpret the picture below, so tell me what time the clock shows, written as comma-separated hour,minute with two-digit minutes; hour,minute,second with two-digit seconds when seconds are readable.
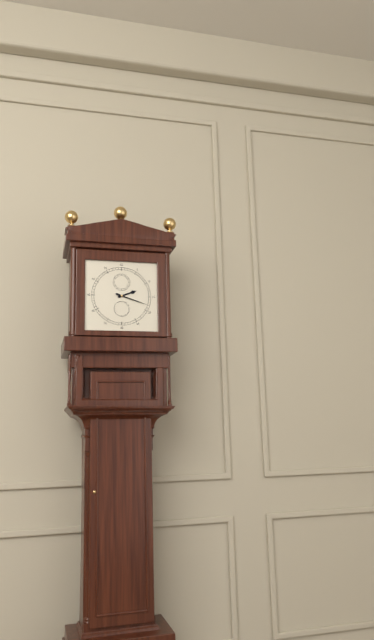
2,18
